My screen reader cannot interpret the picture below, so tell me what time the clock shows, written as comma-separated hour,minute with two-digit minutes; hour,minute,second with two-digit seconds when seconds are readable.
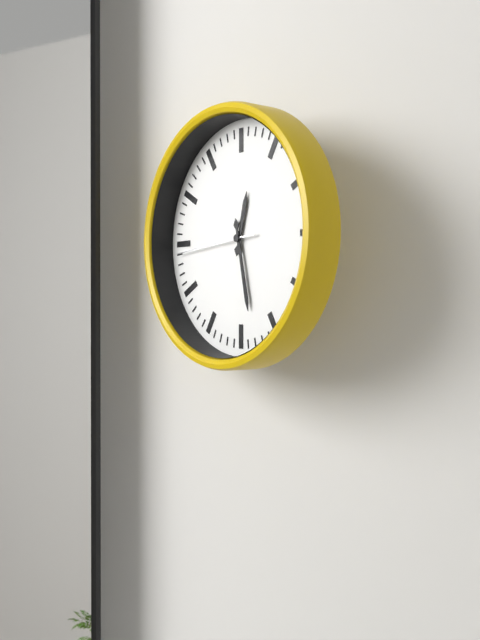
12,28,44
